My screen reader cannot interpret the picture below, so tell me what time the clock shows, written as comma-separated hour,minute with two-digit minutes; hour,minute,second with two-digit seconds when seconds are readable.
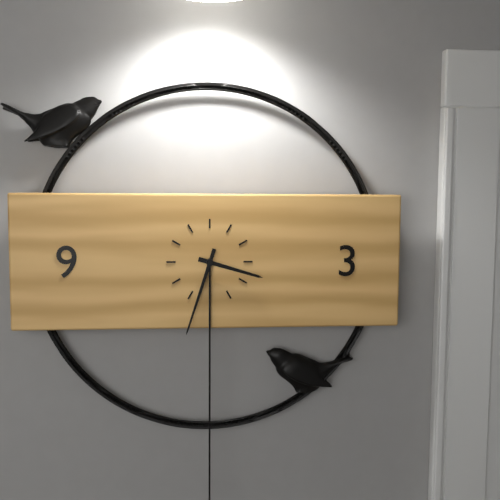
3,33
